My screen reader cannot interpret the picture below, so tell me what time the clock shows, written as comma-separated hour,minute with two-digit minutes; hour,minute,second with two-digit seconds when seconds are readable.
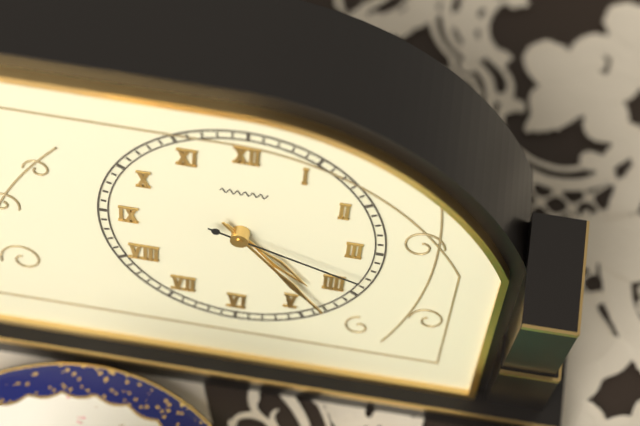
4,23,18
